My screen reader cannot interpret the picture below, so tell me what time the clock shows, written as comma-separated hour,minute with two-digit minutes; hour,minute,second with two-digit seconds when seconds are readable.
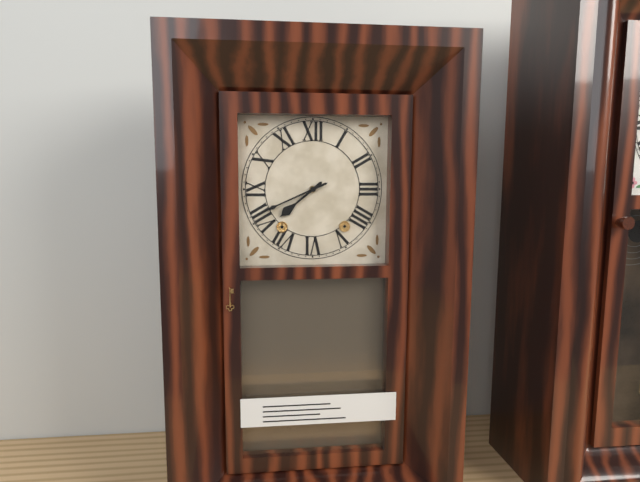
7,41
